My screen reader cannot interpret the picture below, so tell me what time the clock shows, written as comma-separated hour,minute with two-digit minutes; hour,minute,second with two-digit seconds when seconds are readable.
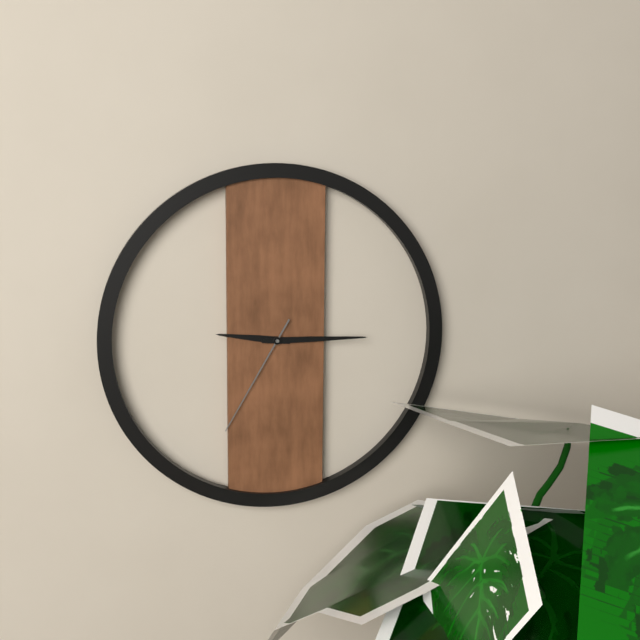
9,15,35
